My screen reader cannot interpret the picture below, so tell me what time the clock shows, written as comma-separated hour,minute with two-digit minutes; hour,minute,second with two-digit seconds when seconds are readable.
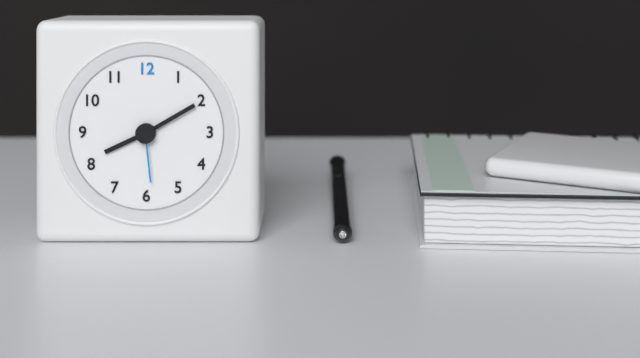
8,10,29
